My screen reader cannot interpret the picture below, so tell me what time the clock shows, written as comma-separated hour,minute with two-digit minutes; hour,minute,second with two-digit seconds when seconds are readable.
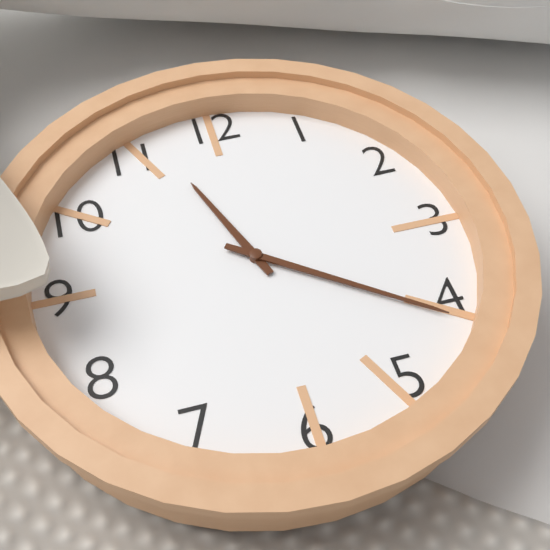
11,21
